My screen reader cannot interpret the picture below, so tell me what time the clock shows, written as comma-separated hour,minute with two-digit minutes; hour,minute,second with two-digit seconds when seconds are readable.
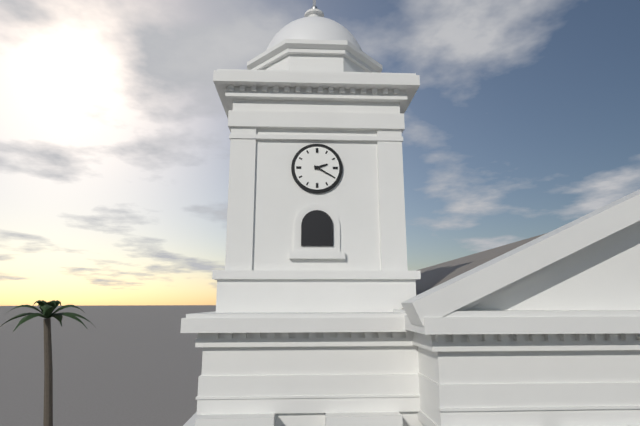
2,20
